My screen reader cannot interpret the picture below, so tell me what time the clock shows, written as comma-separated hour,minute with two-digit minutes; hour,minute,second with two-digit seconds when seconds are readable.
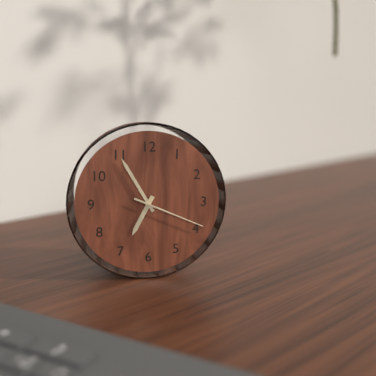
6,55,19
